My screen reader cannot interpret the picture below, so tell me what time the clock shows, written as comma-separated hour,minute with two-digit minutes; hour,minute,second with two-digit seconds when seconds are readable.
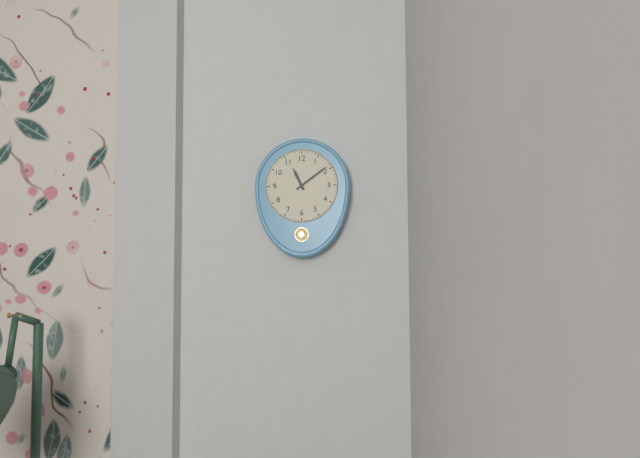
11,09
